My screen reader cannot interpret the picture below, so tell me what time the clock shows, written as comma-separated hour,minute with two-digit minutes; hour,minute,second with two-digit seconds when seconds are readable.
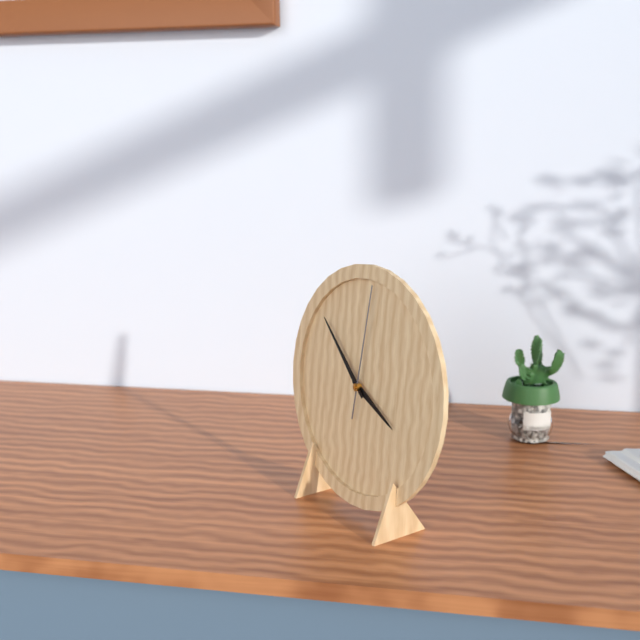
3,52,01
